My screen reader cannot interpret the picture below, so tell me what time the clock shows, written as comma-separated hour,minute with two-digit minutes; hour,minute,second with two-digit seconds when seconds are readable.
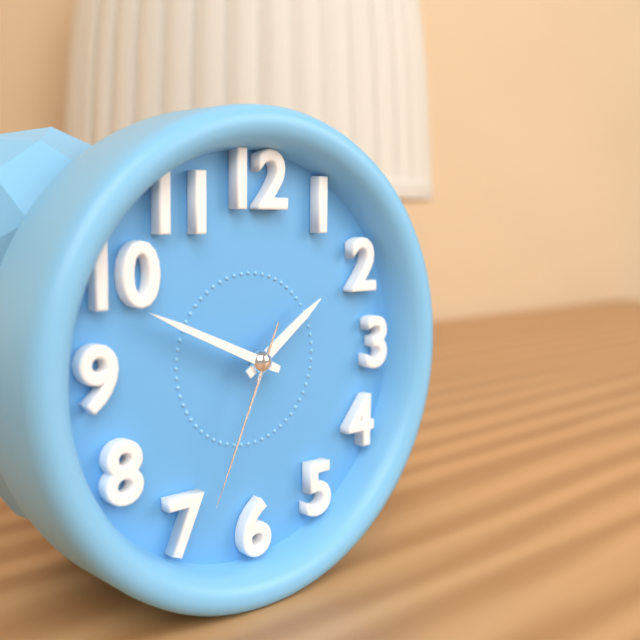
1,49,34
